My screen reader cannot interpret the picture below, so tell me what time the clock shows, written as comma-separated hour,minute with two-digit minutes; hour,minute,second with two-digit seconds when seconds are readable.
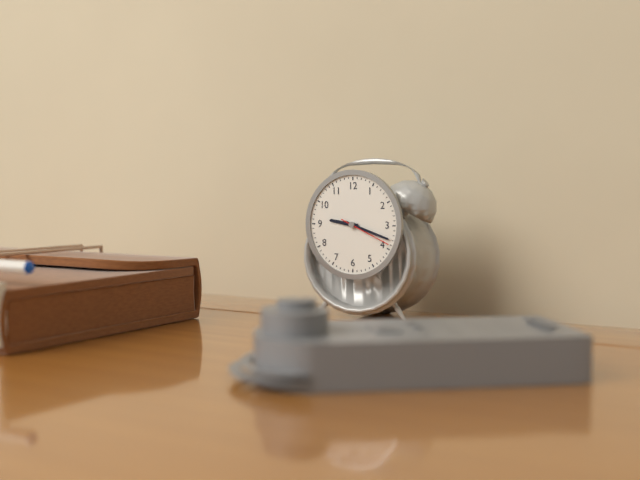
9,18,19
